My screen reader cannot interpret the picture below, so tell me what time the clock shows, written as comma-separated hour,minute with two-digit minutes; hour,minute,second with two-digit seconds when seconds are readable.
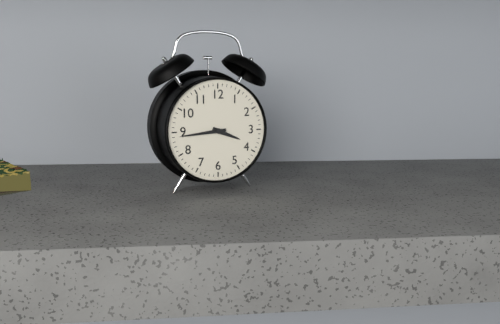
3,44
